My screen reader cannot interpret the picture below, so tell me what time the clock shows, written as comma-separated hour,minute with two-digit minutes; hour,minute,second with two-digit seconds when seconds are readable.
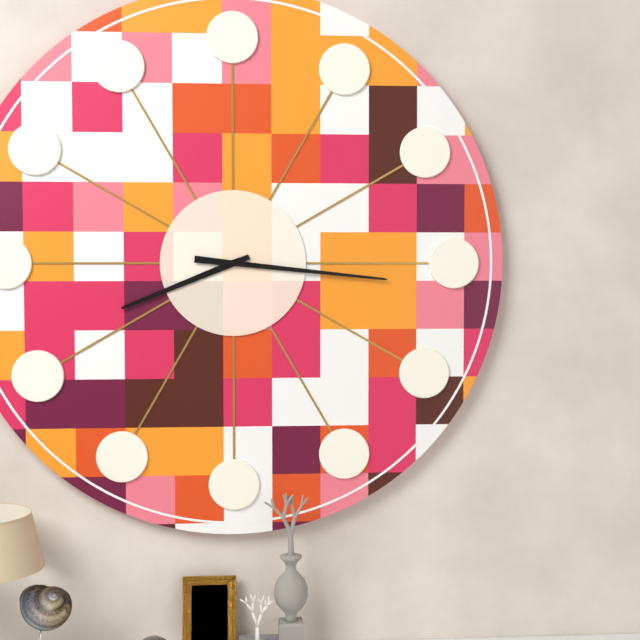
8,16
